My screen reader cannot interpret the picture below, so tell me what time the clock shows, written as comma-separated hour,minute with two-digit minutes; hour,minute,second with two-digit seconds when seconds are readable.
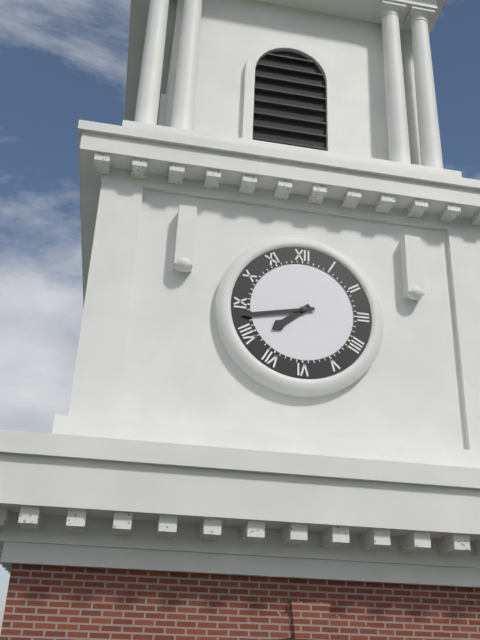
7,43
